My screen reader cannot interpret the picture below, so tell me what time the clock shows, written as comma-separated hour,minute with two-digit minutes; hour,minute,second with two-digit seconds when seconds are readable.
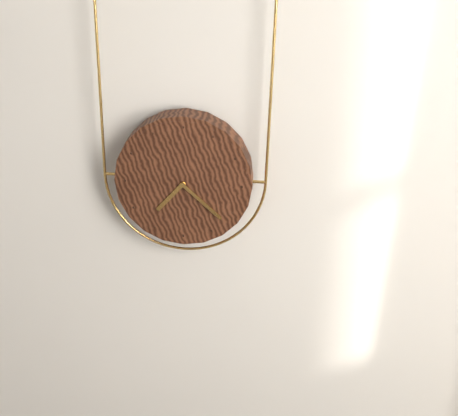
7,22
